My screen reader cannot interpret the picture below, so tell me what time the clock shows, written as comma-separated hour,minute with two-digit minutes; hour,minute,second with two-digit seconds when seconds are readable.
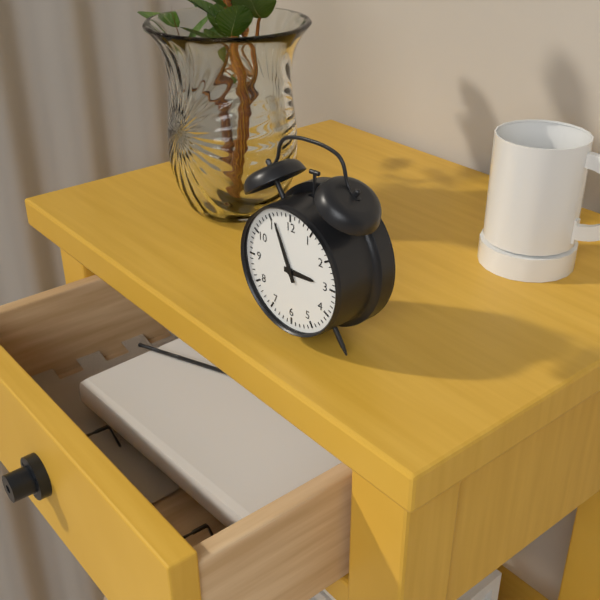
2,56
